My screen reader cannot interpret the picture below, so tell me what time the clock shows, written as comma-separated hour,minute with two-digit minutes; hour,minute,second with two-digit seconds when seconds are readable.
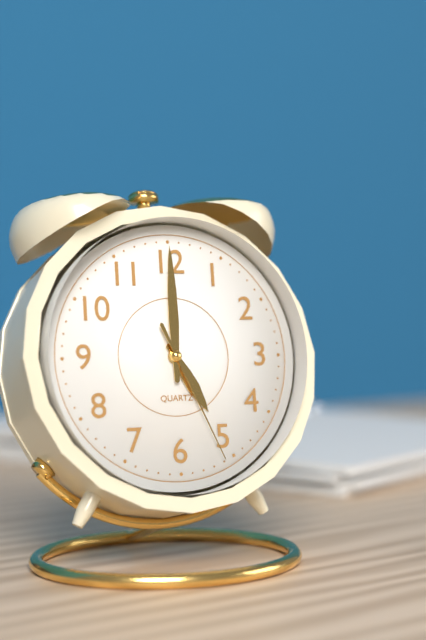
5,00,26
